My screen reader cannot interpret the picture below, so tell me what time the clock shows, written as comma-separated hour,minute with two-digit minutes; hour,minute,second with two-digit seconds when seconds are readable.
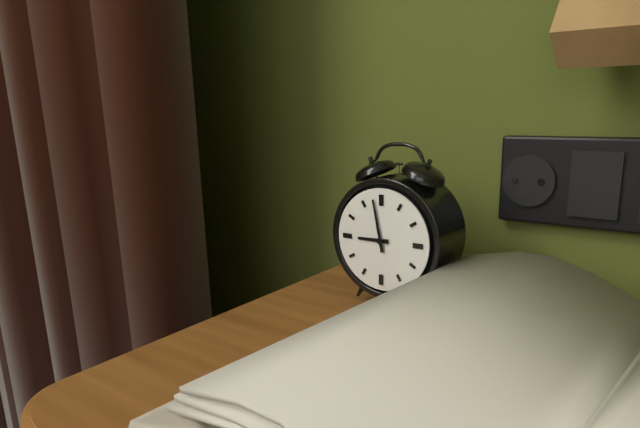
8,58
